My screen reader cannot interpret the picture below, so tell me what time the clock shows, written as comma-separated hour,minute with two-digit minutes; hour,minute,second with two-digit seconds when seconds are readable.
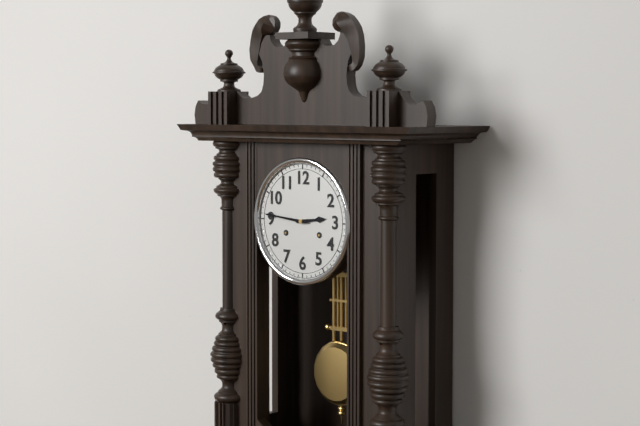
2,46
